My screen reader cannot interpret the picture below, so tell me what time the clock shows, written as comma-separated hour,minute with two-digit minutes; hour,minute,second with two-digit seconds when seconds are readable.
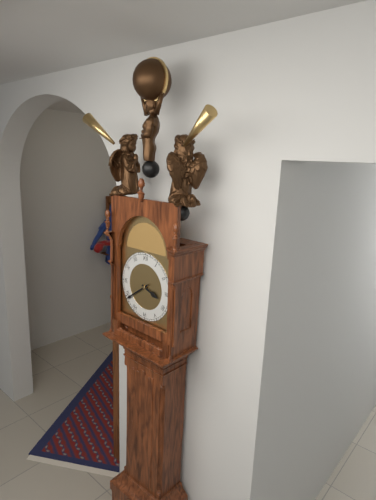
3,39
